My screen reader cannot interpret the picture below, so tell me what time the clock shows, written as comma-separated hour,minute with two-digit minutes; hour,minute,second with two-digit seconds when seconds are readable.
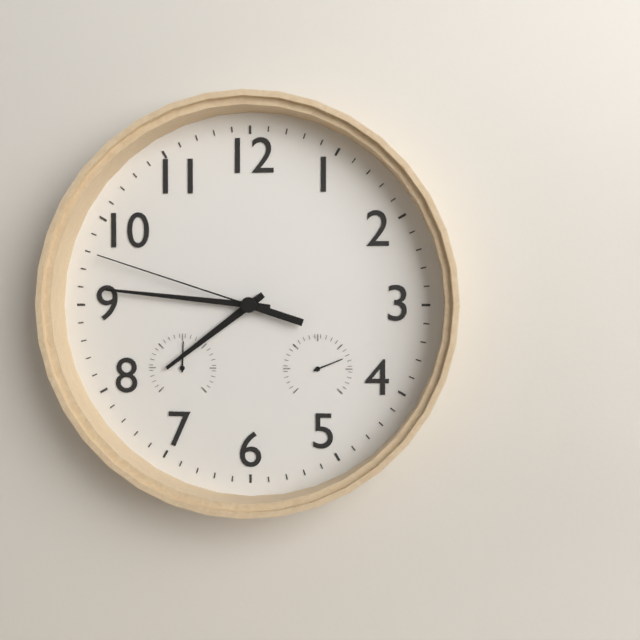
7,46,48
